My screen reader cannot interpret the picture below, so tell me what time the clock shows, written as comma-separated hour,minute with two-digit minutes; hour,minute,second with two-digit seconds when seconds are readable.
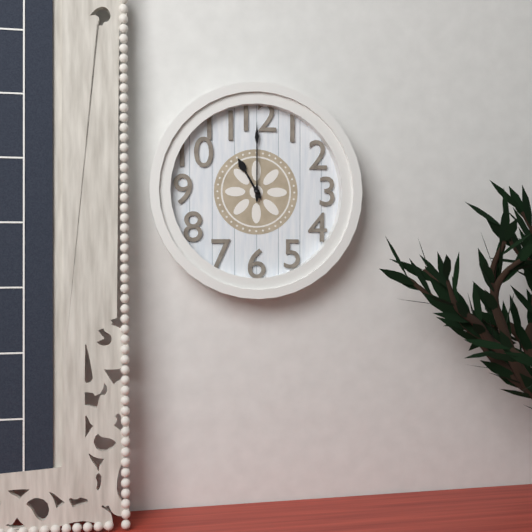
11,00
